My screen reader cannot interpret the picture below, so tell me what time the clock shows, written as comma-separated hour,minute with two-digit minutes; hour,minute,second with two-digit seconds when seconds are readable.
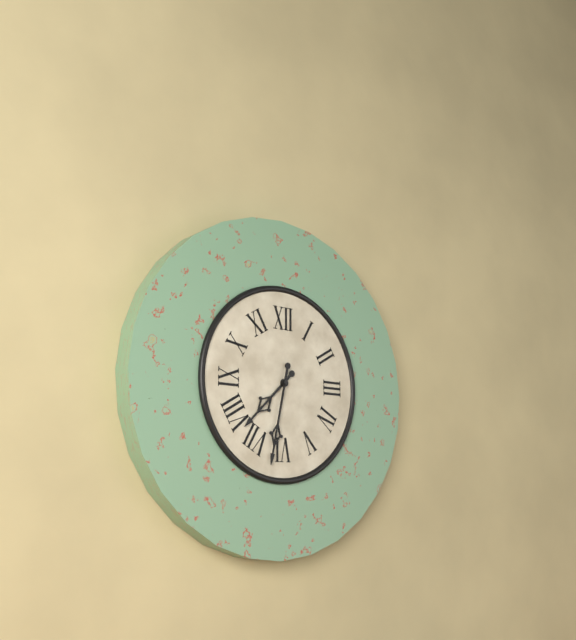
7,32
